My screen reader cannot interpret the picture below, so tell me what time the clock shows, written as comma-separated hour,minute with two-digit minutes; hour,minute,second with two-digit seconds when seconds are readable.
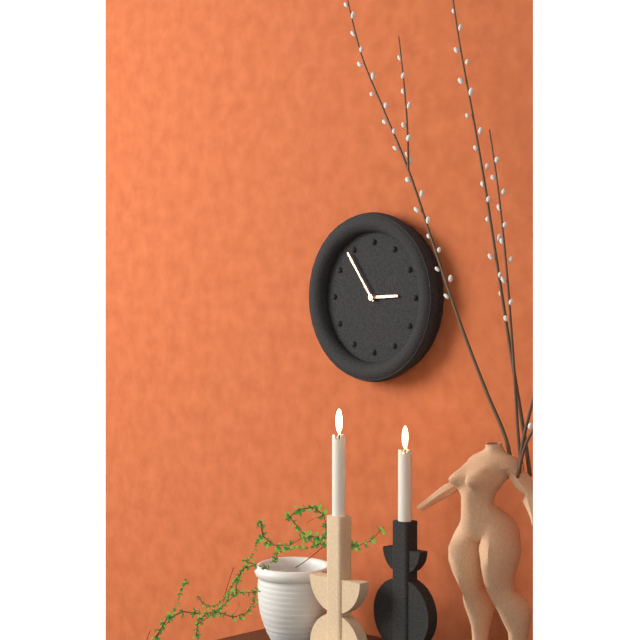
2,54
